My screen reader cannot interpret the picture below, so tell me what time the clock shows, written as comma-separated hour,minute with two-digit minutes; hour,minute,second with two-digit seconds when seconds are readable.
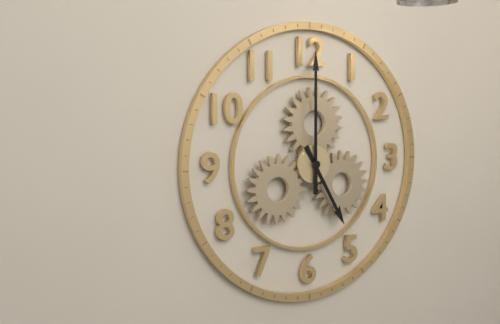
5,00
